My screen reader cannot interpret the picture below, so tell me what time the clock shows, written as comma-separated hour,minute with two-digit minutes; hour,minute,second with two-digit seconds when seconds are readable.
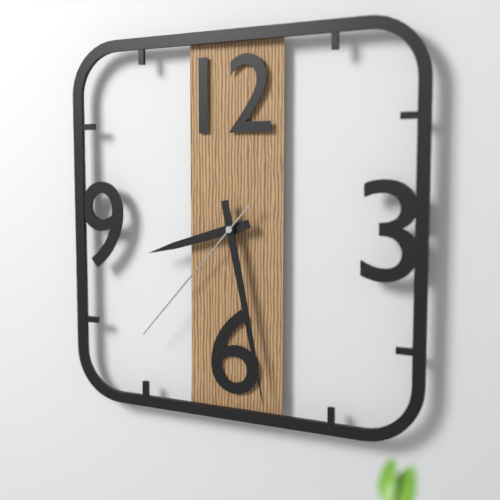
8,28,37
